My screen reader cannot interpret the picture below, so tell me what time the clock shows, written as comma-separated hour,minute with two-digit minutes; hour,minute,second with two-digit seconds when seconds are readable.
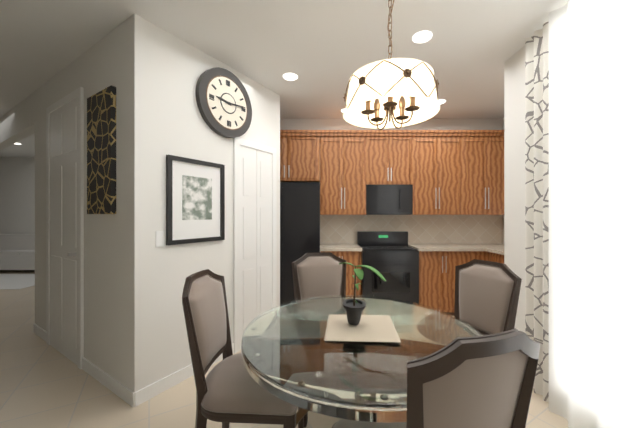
9,14
